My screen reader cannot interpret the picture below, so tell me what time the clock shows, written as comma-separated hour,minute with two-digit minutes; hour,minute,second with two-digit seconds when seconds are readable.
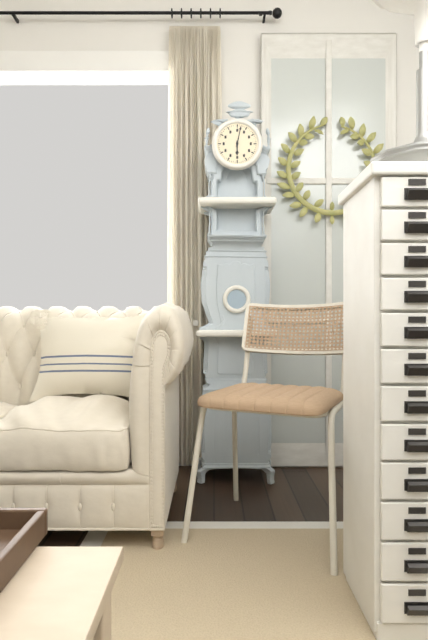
6,02
